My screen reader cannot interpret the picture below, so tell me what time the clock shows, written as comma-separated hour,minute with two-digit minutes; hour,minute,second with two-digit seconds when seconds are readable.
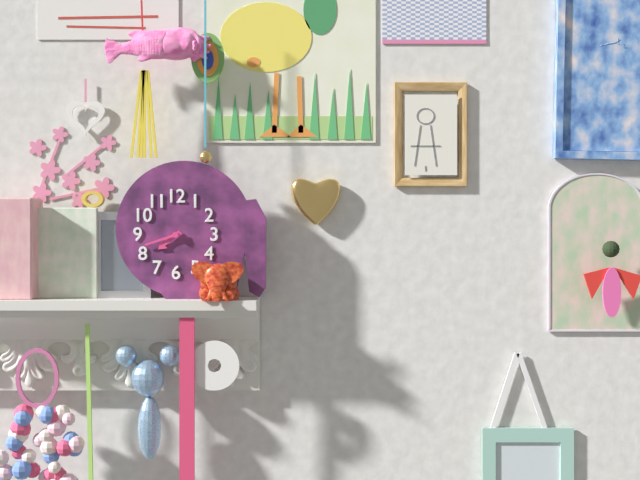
7,42
